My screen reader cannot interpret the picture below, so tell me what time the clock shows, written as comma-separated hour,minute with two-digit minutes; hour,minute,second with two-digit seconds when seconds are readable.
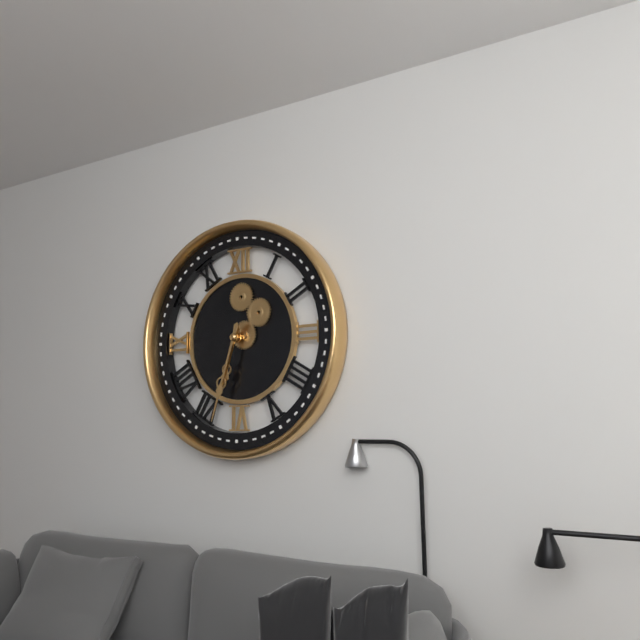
6,33
